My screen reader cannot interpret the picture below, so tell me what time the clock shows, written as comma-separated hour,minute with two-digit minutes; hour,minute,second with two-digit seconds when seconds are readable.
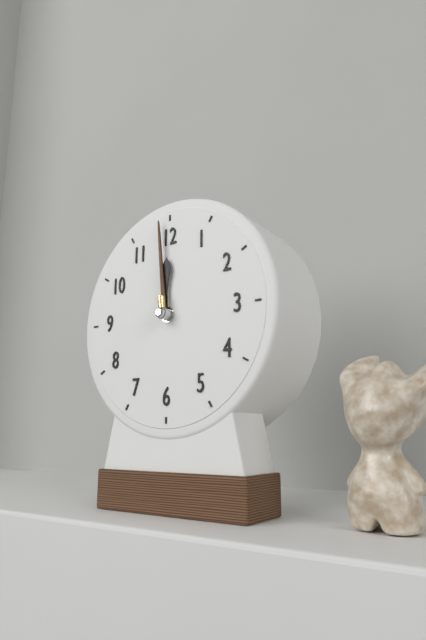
11,59
